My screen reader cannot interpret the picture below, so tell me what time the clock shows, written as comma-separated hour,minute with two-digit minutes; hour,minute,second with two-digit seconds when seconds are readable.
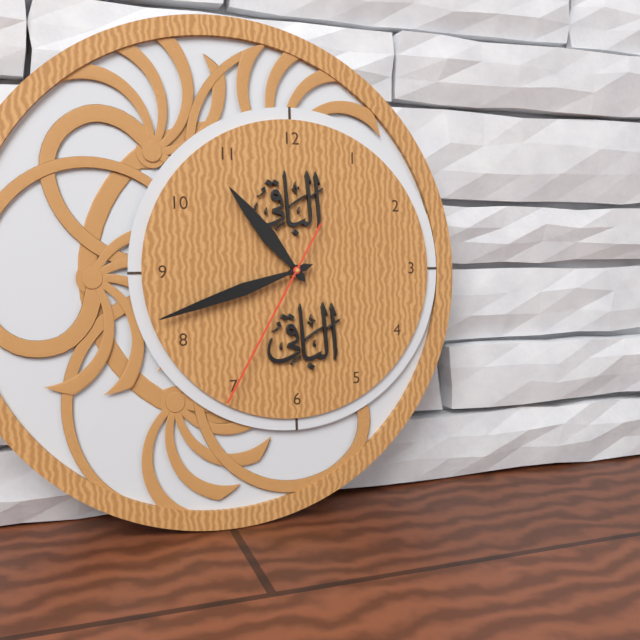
10,42,35
